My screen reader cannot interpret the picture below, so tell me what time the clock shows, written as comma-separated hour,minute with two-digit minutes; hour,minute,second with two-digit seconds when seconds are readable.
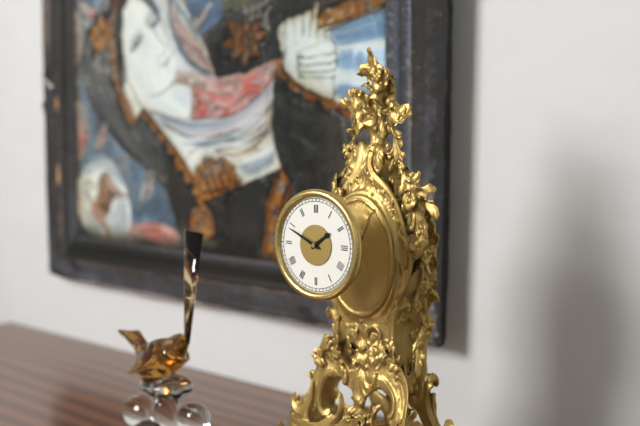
1,49
